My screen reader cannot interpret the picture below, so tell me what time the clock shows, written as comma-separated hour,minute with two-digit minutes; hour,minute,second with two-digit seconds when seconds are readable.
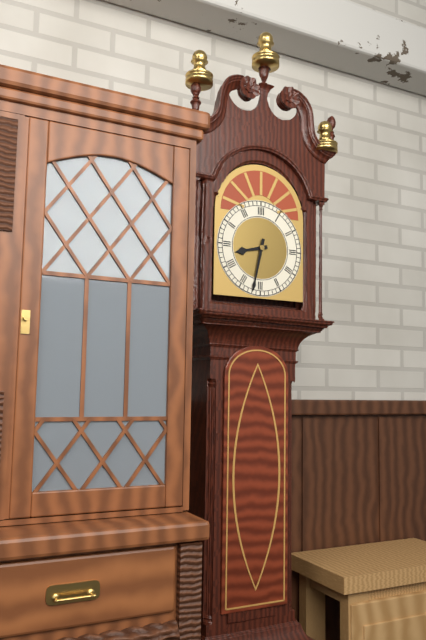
8,32
